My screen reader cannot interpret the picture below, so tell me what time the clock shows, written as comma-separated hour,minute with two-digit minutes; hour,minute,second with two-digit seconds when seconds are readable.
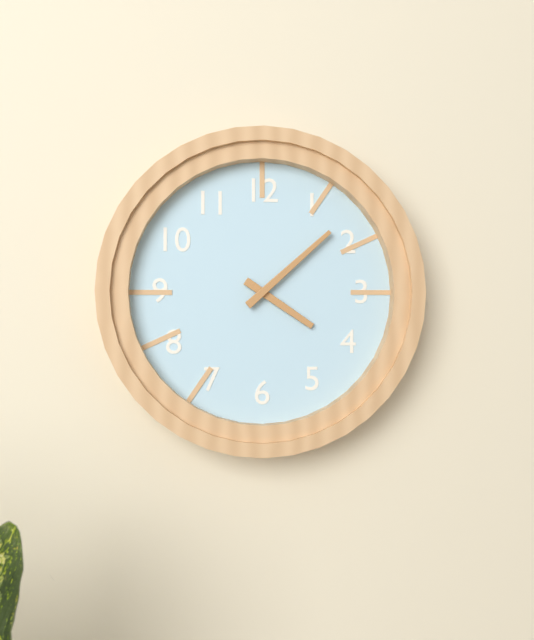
4,08
